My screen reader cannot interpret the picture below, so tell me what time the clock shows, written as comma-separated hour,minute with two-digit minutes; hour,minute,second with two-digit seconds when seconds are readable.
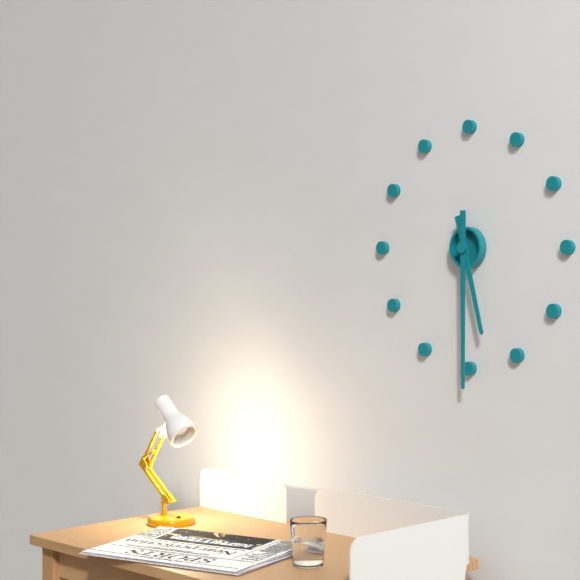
5,30
